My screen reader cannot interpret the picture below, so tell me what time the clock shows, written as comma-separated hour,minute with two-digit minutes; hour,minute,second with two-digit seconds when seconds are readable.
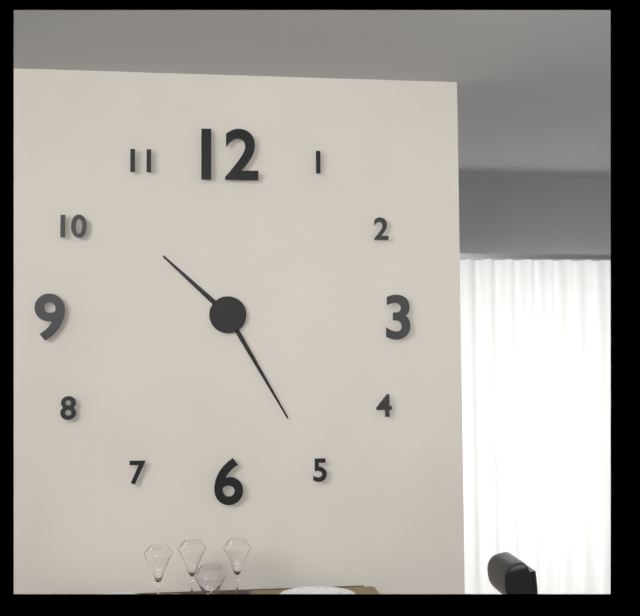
10,25
